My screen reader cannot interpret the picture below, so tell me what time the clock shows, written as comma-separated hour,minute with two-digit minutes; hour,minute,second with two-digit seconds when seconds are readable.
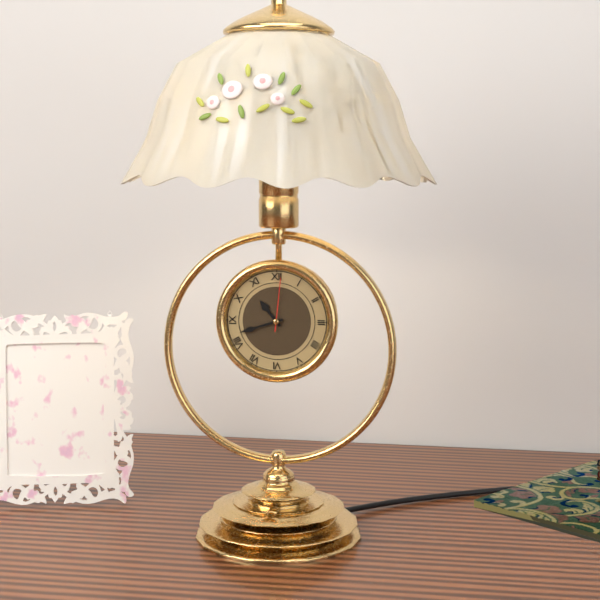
10,42,01
